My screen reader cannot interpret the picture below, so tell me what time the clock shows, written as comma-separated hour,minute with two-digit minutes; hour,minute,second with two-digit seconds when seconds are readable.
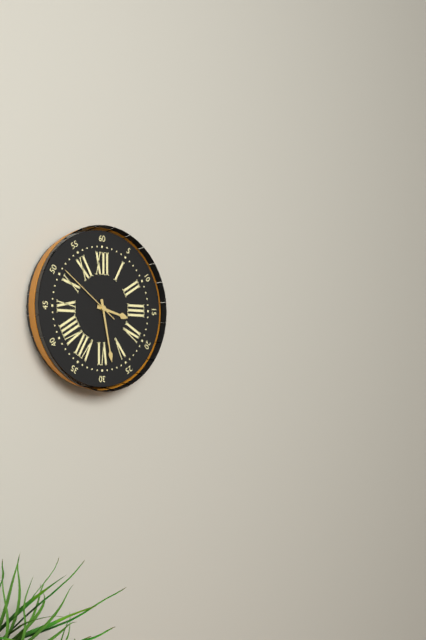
3,28,51
